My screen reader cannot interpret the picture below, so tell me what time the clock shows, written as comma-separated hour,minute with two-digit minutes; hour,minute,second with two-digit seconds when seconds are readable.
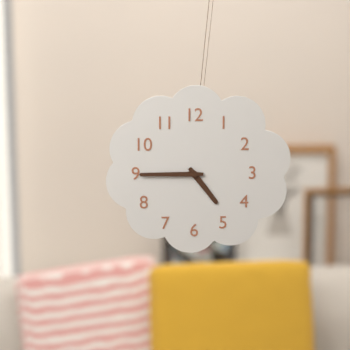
4,45
